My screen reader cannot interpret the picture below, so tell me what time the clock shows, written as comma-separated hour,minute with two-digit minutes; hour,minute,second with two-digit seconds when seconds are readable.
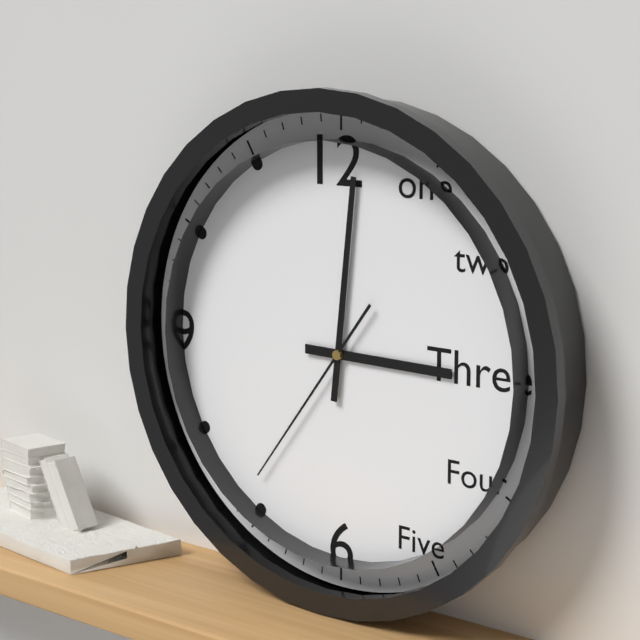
3,01,36
